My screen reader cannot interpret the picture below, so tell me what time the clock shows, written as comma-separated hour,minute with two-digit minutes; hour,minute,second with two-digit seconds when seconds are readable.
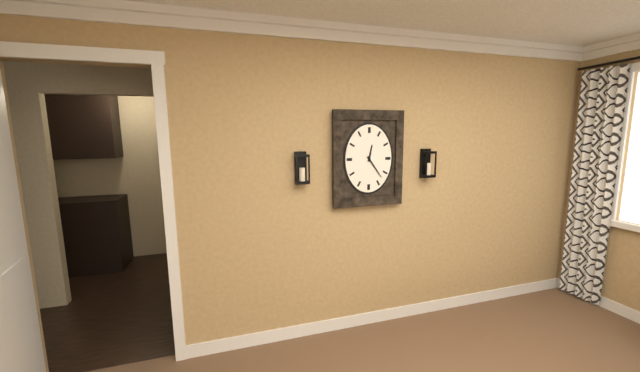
12,24
